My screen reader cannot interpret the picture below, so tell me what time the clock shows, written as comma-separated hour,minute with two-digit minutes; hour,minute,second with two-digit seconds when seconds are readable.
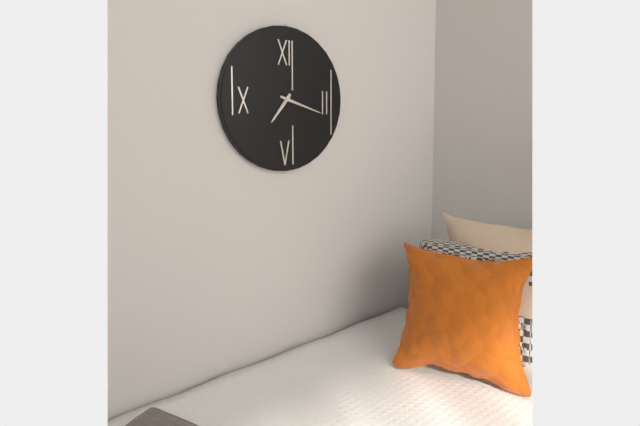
7,18
